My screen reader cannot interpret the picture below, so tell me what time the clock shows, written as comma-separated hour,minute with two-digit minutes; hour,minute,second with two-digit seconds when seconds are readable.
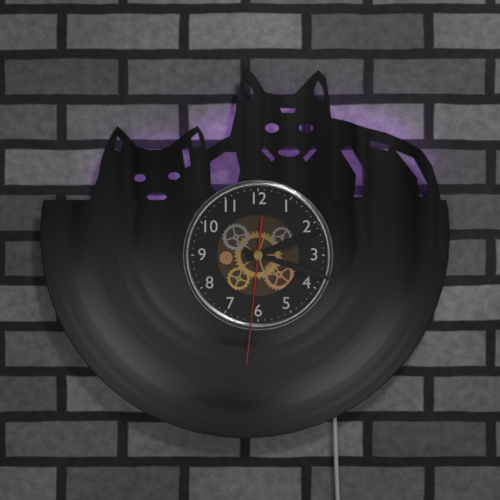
2,18,31
